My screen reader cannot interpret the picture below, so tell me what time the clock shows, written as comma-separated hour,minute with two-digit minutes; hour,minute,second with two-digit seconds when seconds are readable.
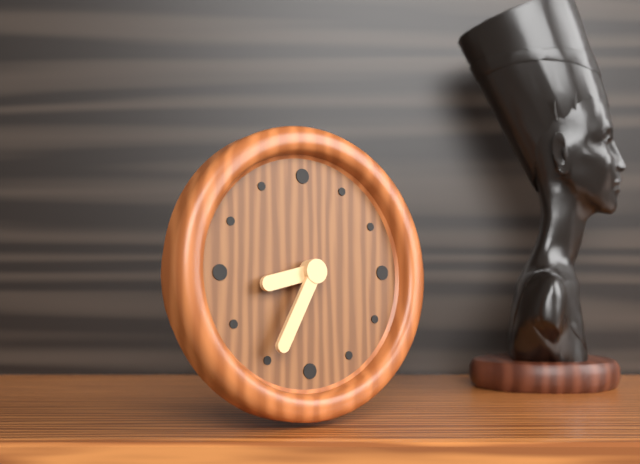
8,35
